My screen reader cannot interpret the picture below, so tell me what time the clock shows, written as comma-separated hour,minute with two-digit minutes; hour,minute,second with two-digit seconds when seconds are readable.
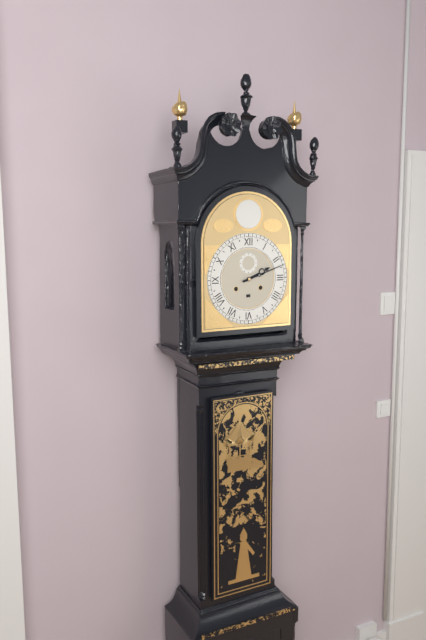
2,12
